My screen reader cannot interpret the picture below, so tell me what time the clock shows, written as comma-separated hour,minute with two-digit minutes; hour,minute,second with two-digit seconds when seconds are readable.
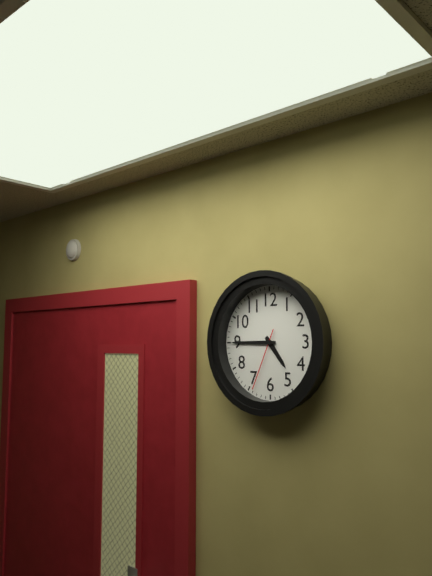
4,45,34
